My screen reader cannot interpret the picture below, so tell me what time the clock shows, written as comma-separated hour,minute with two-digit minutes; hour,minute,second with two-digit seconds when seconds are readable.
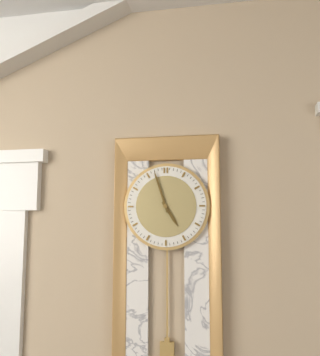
4,57
